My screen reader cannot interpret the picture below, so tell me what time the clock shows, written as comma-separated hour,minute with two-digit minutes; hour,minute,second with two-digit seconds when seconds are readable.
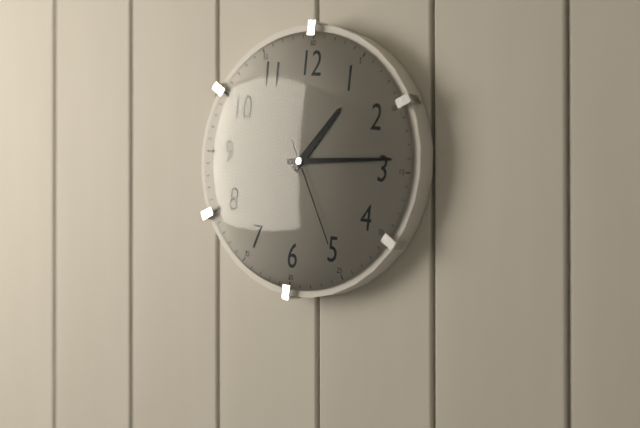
1,14,25
